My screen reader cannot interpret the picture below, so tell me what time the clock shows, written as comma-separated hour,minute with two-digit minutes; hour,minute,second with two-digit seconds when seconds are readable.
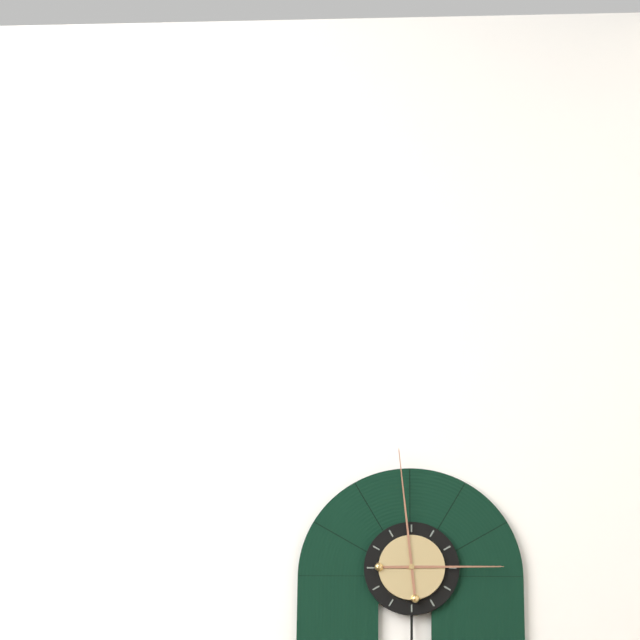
2,59
